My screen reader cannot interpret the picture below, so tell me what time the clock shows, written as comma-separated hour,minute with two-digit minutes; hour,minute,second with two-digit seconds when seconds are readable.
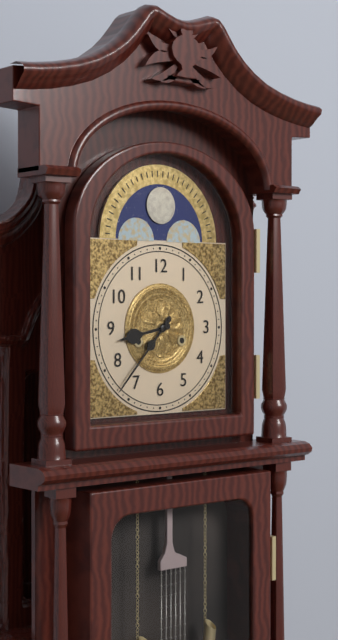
8,37
